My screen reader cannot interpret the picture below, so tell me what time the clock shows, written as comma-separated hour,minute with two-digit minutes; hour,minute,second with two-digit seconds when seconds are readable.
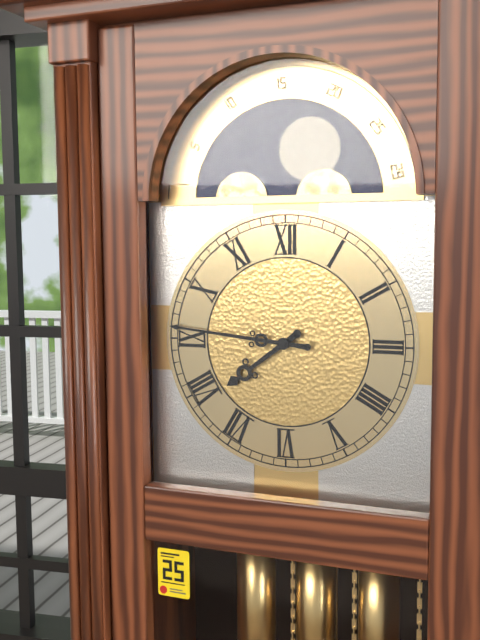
7,46
